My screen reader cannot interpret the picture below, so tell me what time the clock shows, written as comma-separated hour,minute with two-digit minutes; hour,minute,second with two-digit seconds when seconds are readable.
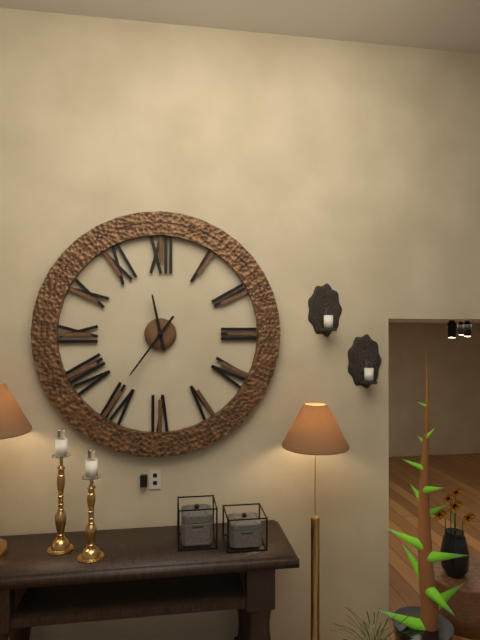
11,36
